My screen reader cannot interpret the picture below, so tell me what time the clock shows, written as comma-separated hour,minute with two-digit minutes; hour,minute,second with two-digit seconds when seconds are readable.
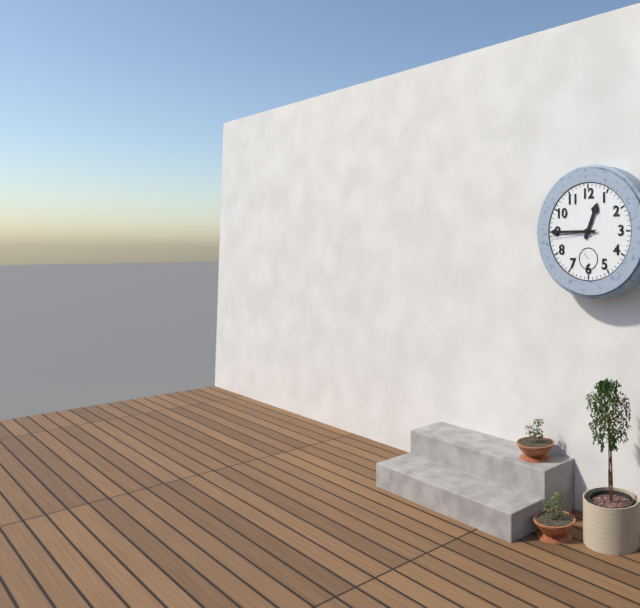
12,45
